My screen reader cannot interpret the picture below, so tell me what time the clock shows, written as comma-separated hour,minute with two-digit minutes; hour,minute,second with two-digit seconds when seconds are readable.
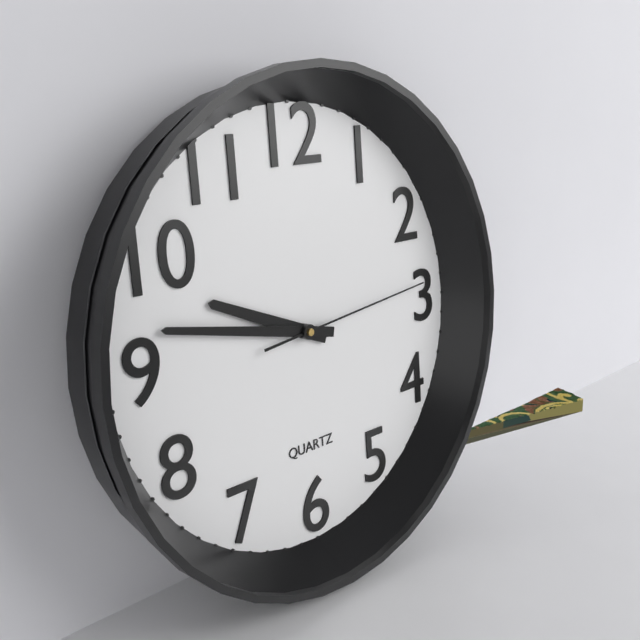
9,47,14
